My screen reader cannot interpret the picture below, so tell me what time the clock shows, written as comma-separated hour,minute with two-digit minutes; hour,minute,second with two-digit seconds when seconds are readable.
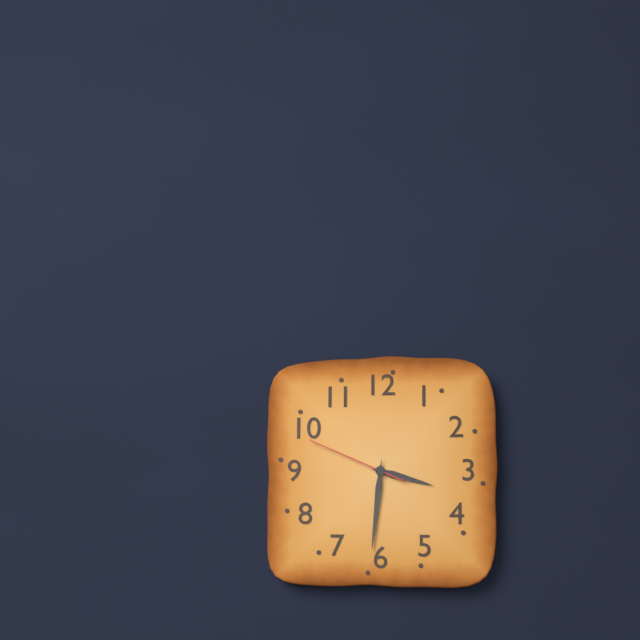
3,31,49
